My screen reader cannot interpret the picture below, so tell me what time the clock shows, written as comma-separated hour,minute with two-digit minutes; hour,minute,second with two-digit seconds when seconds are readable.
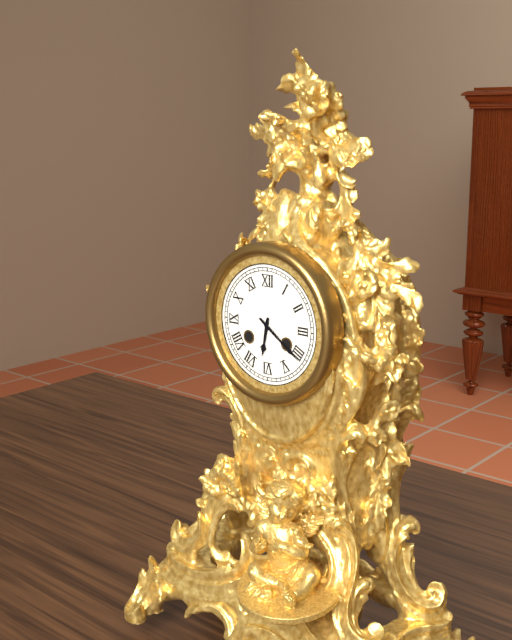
6,21
